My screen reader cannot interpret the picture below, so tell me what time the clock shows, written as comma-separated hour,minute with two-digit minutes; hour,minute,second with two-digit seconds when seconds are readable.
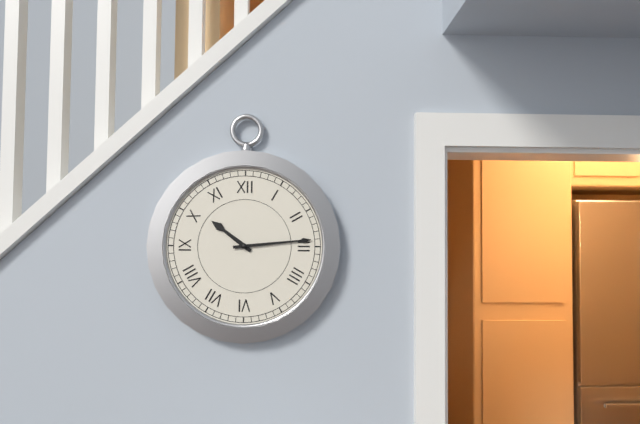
10,14
